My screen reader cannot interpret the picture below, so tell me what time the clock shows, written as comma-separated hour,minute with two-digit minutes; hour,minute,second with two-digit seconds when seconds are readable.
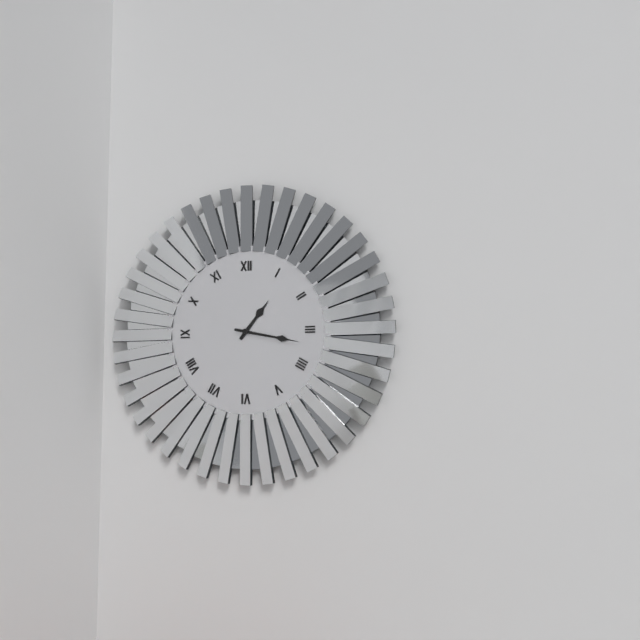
1,17
